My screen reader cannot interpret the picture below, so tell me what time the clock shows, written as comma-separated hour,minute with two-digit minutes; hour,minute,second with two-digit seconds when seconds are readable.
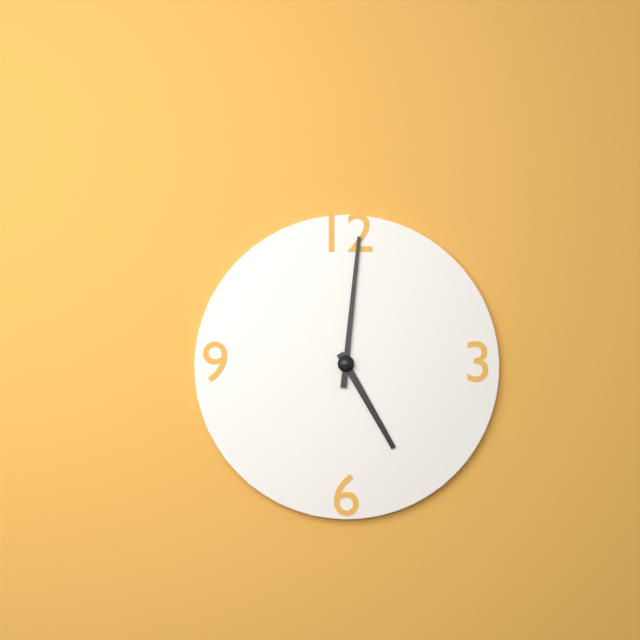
5,01
